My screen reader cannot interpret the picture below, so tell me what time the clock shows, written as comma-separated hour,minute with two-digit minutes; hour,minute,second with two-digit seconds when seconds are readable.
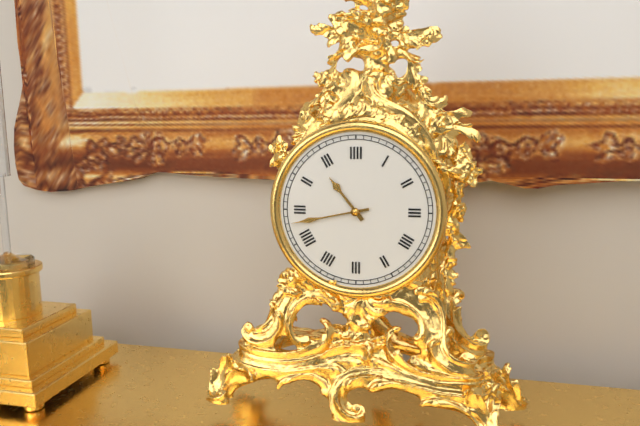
10,43
